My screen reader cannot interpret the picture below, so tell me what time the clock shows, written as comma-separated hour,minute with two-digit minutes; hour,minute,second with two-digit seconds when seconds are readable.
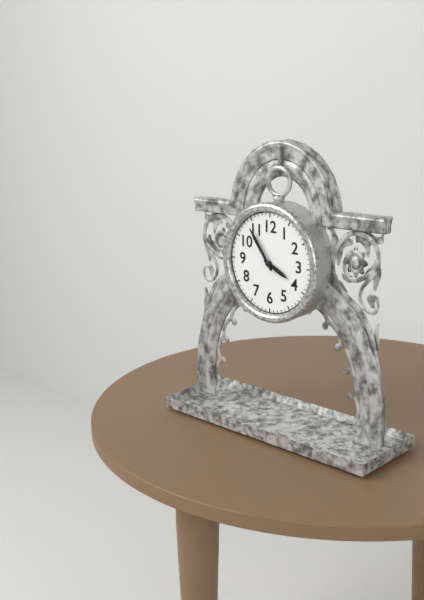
3,54
